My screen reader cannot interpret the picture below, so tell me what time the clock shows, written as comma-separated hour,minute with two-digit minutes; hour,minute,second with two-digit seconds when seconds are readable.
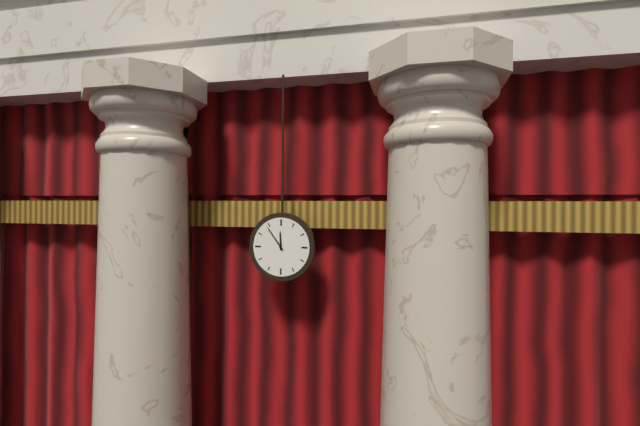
11,54
